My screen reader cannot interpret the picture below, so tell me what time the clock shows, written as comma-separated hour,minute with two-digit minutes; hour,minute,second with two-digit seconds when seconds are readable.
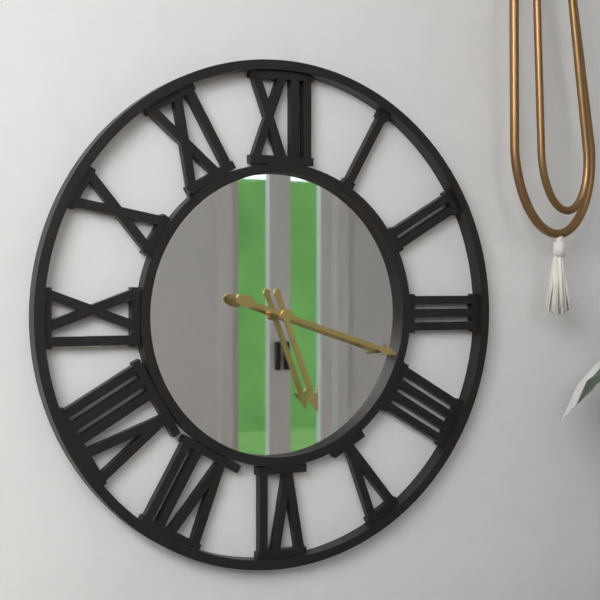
5,18
